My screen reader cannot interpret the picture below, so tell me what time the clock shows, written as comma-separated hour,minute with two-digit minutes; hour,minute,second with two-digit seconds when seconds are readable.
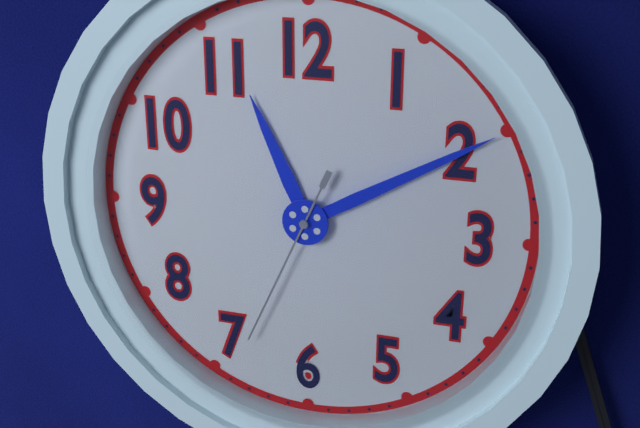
11,10,34
